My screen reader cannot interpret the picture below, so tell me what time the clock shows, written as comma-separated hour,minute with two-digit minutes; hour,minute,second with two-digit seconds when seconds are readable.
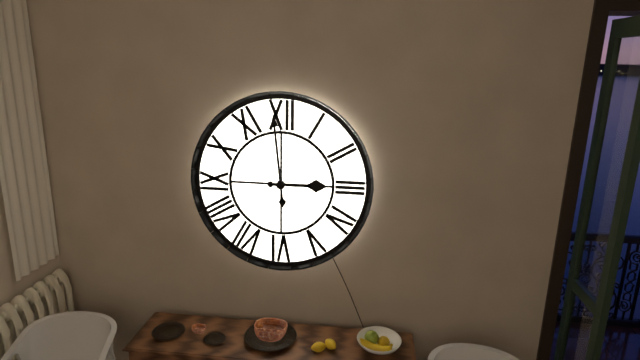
2,59
